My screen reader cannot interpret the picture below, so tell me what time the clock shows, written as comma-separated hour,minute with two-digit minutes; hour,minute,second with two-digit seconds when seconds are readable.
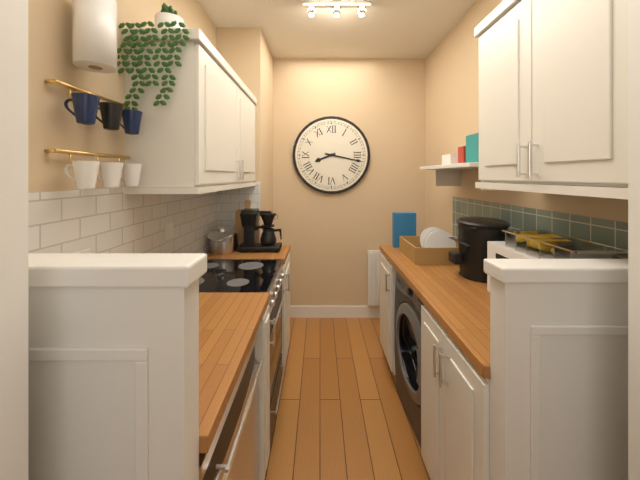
8,17
